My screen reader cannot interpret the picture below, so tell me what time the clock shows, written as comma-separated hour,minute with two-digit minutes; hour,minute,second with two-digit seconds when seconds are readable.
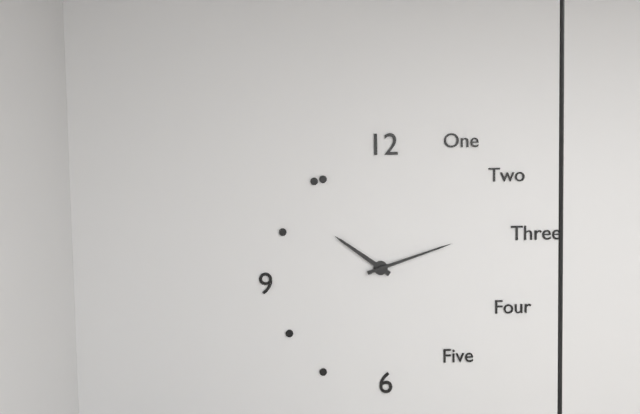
10,12
